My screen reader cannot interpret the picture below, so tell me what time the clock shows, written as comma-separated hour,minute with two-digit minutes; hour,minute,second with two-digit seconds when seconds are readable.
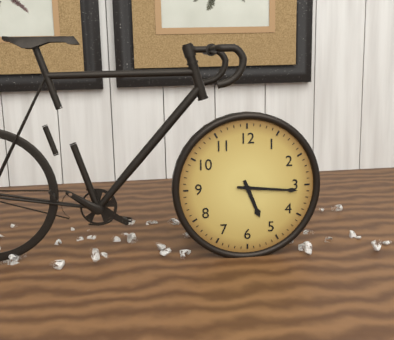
5,16
